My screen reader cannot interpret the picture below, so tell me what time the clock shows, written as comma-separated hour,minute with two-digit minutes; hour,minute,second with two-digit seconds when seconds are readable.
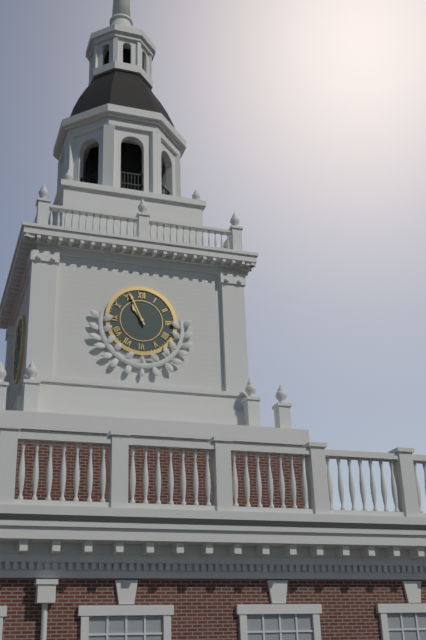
10,56
